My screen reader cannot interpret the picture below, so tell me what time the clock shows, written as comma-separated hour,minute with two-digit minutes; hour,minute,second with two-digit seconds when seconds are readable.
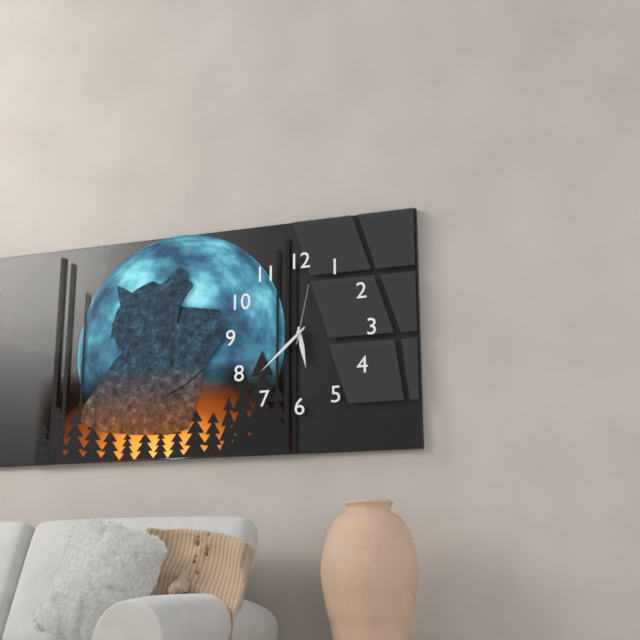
5,38,02
